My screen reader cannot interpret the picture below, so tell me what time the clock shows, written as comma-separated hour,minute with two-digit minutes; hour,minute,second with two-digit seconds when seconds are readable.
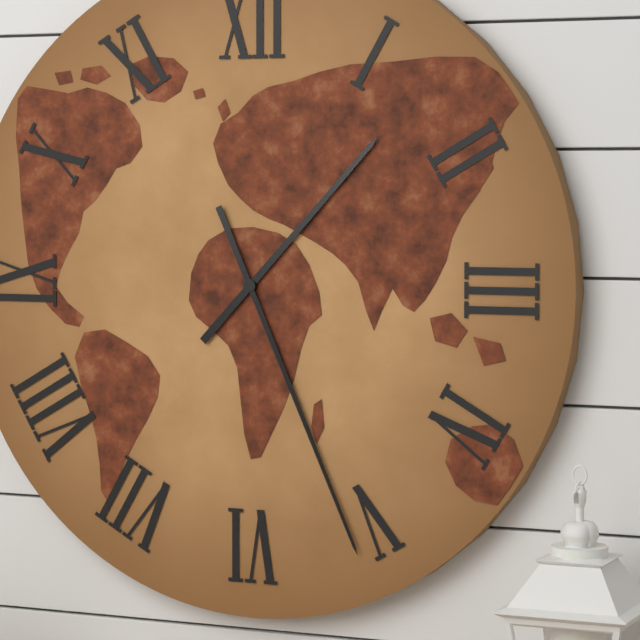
1,26
